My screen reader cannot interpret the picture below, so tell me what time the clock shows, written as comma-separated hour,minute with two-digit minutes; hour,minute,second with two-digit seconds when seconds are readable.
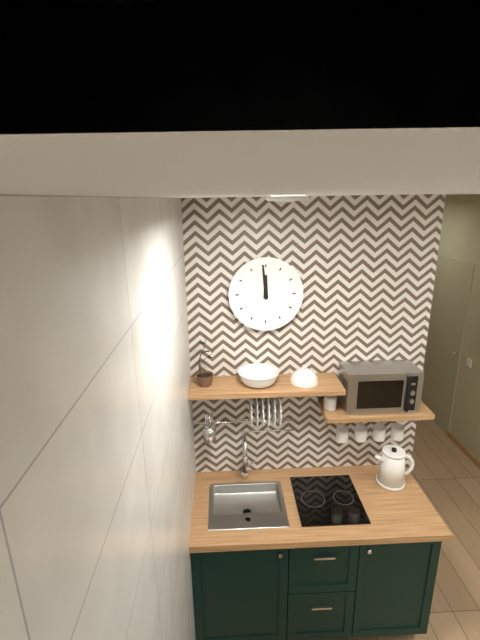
11,59
